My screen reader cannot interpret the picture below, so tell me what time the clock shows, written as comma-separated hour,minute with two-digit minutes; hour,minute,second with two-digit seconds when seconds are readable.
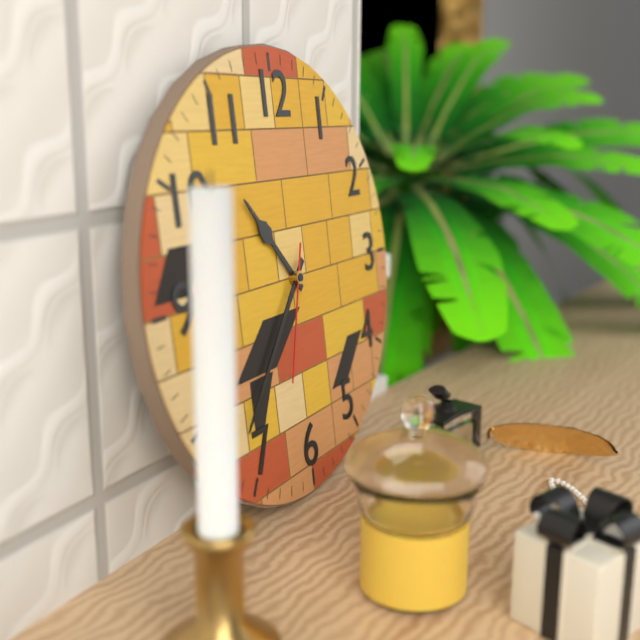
10,37,33
